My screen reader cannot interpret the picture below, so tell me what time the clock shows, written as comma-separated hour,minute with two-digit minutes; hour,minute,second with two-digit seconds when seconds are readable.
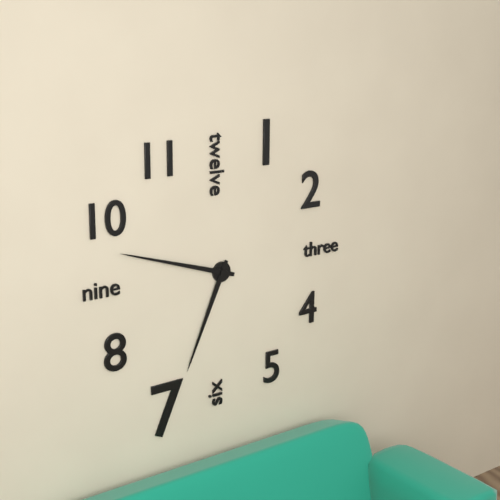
6,48
